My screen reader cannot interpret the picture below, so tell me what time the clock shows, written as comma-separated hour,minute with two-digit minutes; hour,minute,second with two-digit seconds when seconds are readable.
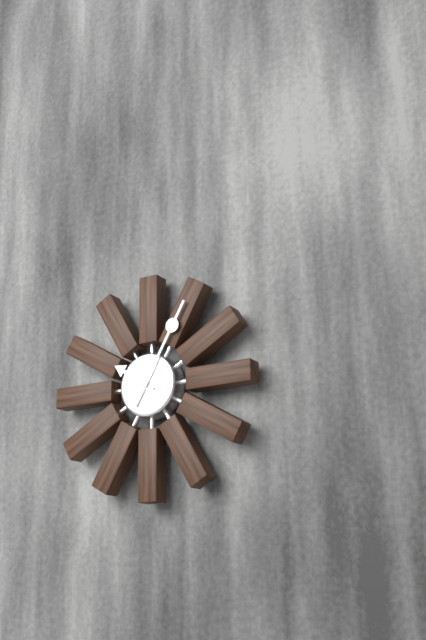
10,05
